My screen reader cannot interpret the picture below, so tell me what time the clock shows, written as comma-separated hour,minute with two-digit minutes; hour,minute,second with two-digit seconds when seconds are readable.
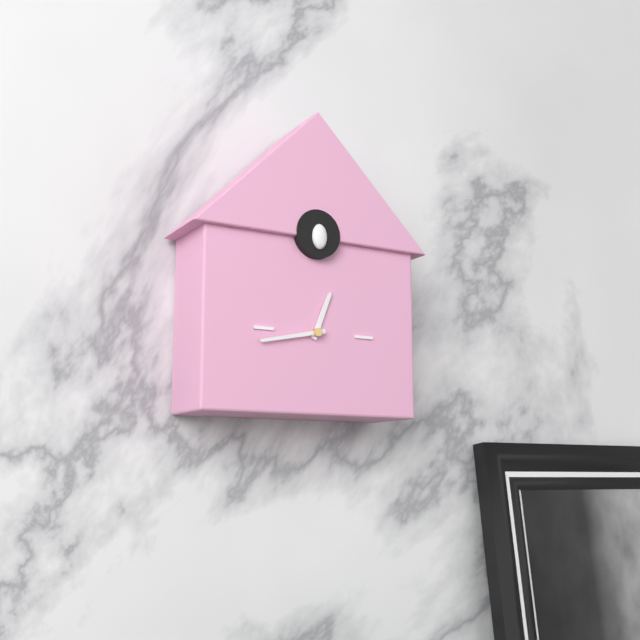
12,43
